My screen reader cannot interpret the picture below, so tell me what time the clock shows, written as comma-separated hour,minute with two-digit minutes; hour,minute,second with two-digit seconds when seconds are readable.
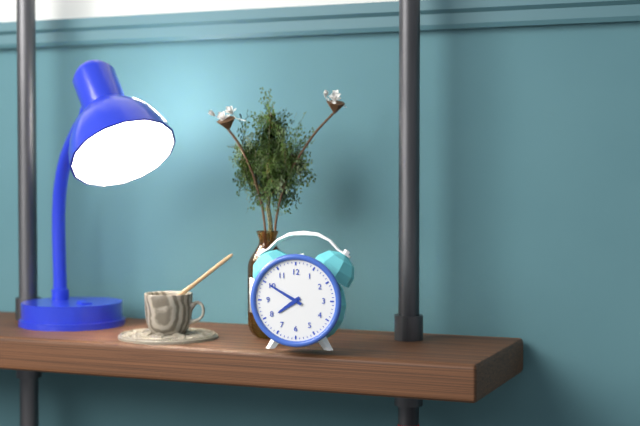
7,50
